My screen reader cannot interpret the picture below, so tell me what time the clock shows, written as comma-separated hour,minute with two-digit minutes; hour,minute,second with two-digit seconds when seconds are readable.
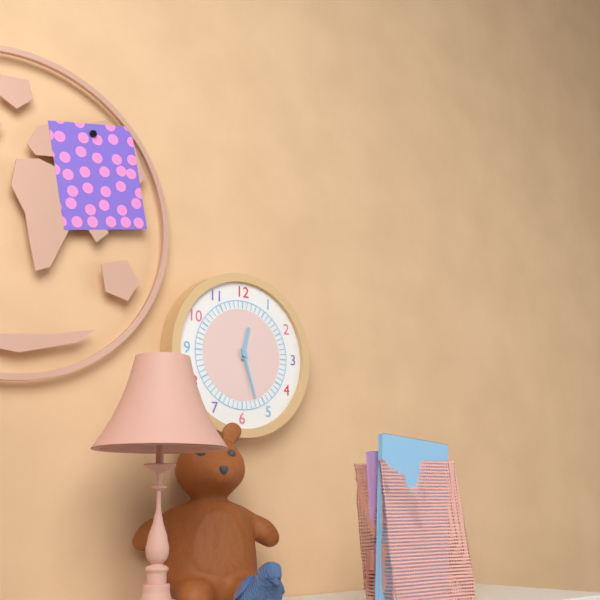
12,27
